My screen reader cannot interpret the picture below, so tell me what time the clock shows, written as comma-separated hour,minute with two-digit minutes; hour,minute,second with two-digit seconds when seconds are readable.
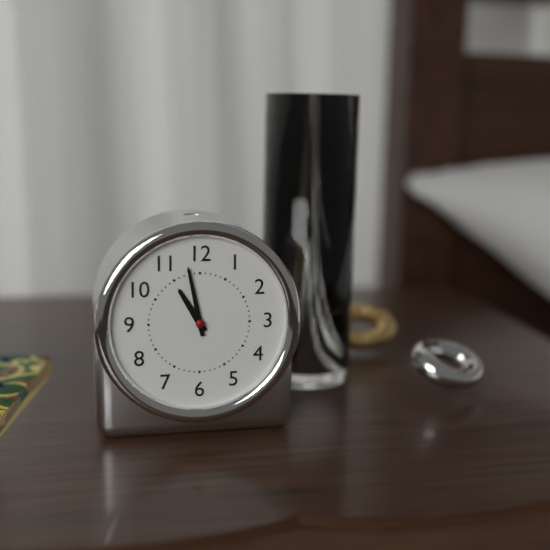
10,58
